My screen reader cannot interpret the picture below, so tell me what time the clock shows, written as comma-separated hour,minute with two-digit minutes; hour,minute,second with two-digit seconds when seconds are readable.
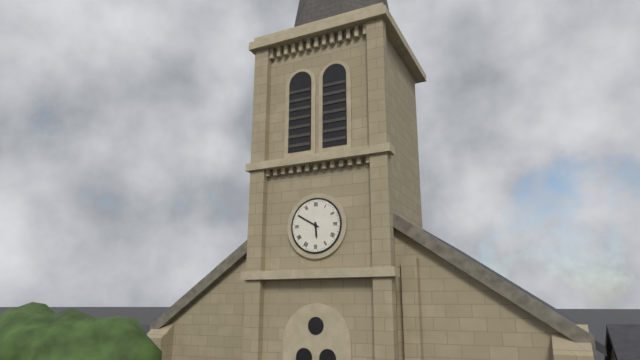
5,50
